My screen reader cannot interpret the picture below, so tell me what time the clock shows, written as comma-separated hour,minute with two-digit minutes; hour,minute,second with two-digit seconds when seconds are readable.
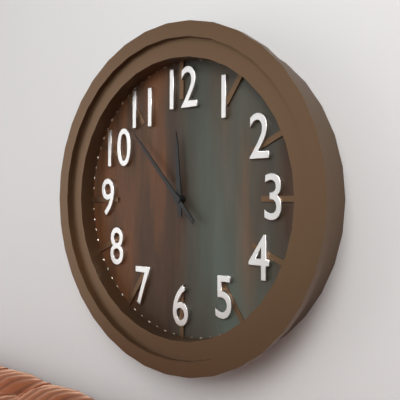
11,53
